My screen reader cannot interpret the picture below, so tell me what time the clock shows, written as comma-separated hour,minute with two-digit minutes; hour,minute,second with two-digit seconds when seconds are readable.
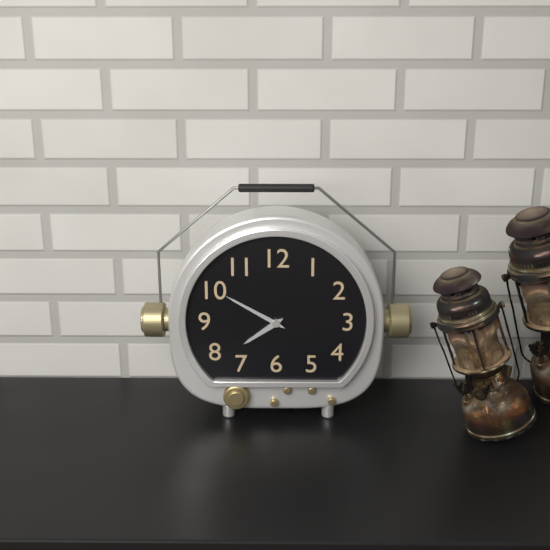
7,50
